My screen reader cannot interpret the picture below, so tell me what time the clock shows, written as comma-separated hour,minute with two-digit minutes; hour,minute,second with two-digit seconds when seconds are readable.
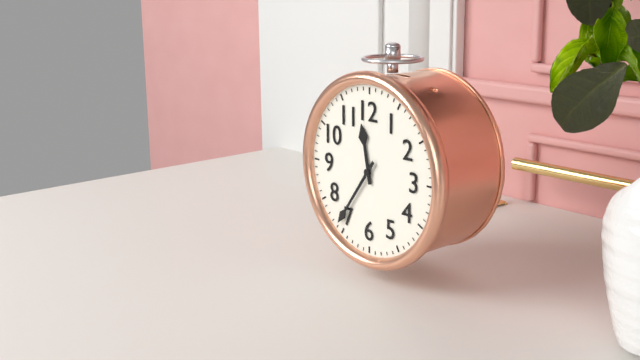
11,36
